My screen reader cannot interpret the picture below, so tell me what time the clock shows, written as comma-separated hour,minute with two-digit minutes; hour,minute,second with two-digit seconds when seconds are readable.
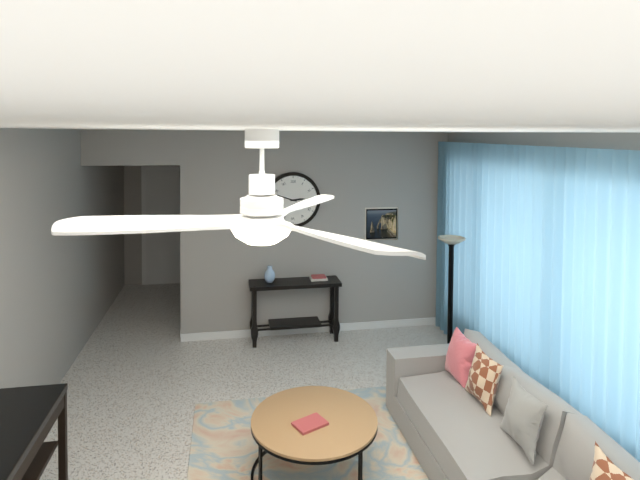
2,48
